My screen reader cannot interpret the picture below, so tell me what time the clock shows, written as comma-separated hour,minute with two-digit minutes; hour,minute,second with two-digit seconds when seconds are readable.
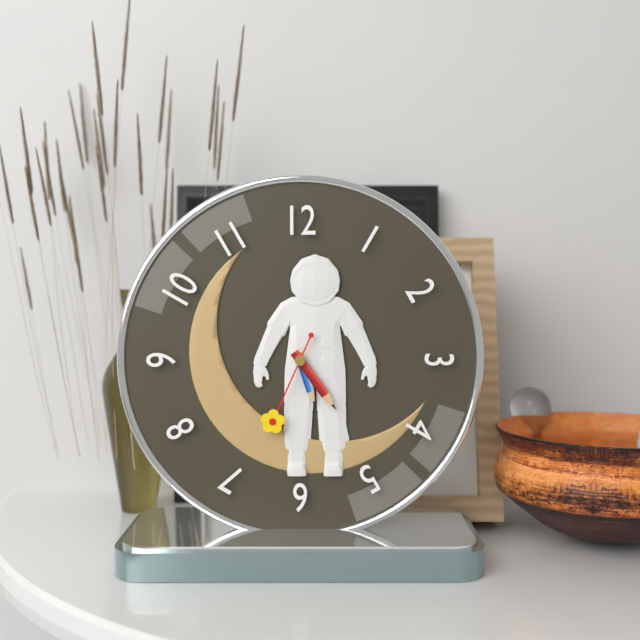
5,24,34
